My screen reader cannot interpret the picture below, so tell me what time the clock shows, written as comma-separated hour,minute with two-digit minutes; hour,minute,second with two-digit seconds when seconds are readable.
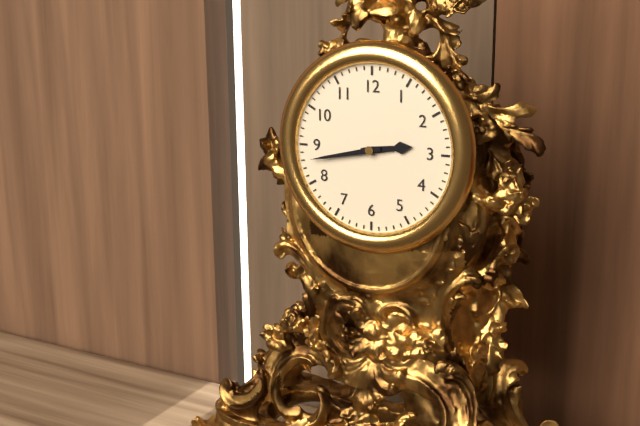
2,43
